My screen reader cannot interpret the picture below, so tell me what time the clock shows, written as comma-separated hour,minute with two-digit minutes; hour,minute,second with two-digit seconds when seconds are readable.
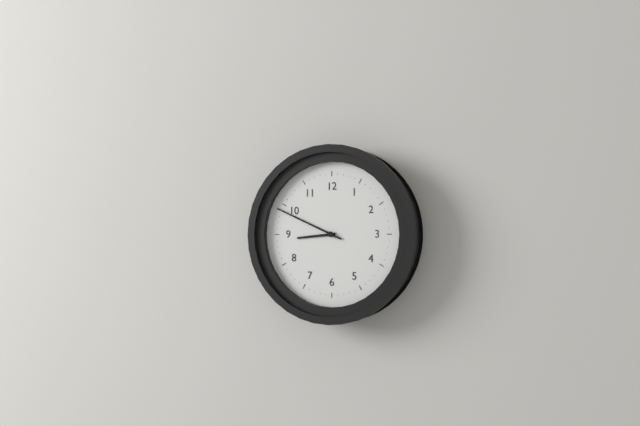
8,49
